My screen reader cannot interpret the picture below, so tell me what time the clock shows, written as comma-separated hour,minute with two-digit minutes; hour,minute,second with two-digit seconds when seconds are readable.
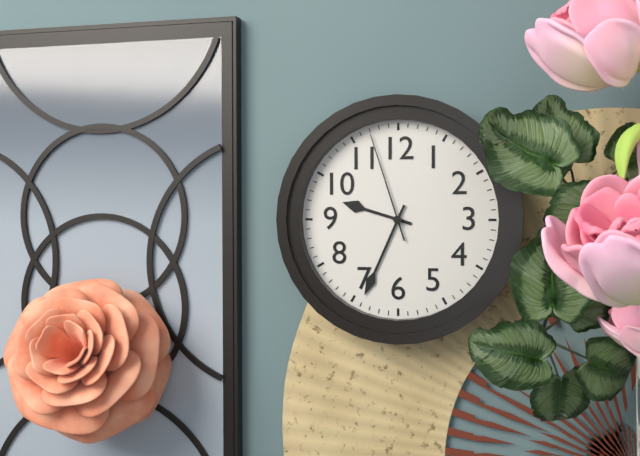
9,34,57
